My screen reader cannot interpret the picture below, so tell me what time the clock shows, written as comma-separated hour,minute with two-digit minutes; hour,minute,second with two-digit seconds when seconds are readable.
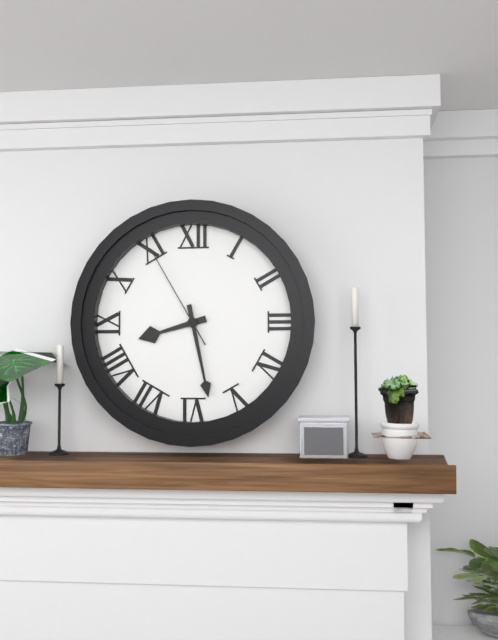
8,28,55
